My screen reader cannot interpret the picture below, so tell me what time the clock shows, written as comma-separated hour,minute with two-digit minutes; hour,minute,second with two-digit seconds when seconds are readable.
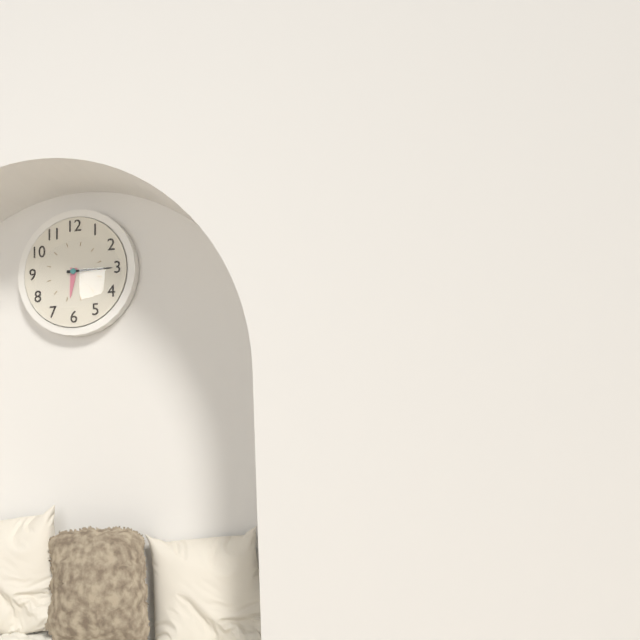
6,15
